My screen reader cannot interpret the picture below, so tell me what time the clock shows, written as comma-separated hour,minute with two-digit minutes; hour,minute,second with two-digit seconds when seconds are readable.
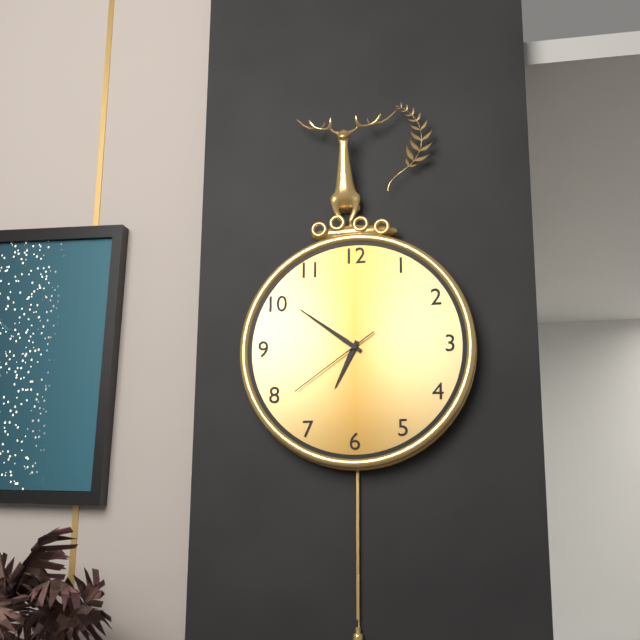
6,51,39
